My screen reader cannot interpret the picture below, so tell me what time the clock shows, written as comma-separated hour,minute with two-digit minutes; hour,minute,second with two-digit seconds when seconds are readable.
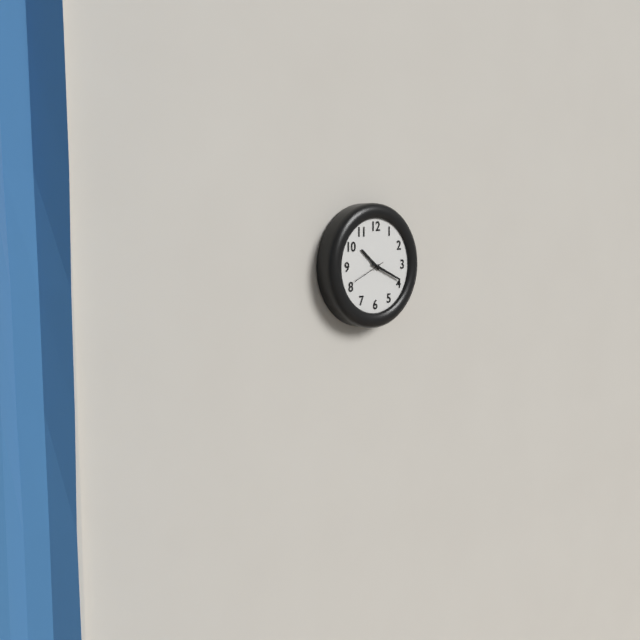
10,19
